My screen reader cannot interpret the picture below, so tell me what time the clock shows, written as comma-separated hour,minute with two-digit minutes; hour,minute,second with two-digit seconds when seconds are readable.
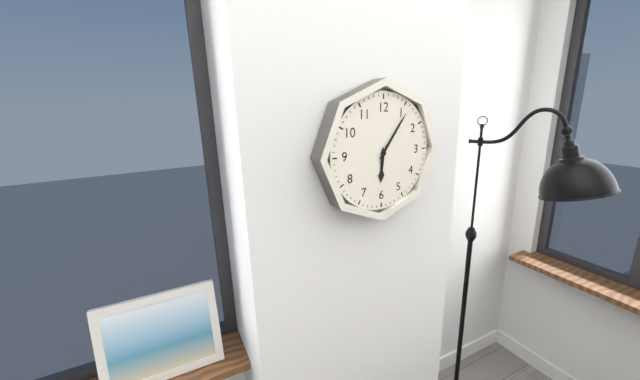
6,06
